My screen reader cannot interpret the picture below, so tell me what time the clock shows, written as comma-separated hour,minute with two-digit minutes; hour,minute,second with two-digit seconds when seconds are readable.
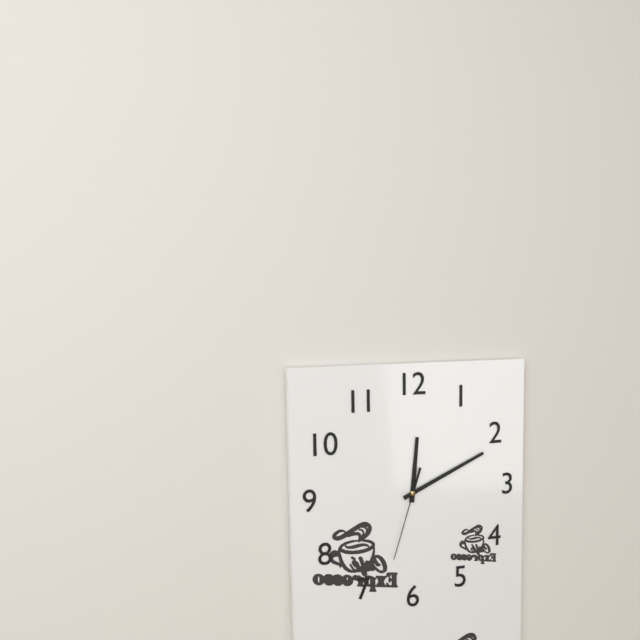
12,11,33
